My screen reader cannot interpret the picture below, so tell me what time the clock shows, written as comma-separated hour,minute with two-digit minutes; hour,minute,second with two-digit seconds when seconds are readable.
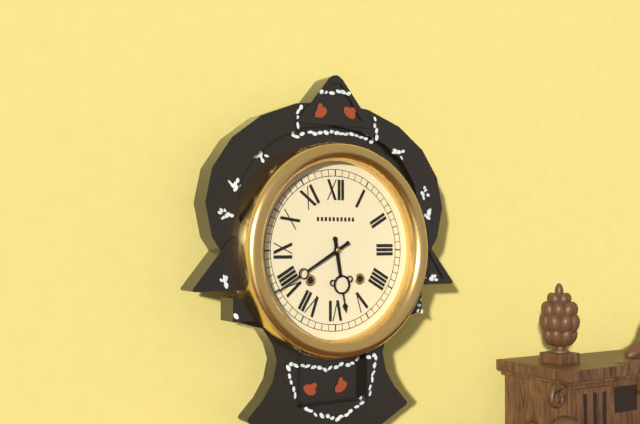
5,40
